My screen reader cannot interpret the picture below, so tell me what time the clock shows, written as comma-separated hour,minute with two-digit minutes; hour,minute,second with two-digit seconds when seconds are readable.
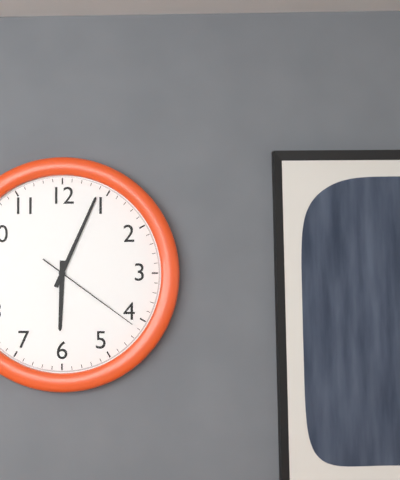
6,04,21
